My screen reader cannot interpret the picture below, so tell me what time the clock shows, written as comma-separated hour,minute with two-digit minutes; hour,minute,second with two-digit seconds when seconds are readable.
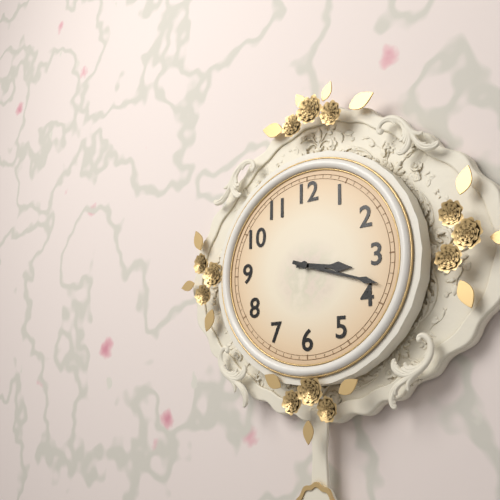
3,18
